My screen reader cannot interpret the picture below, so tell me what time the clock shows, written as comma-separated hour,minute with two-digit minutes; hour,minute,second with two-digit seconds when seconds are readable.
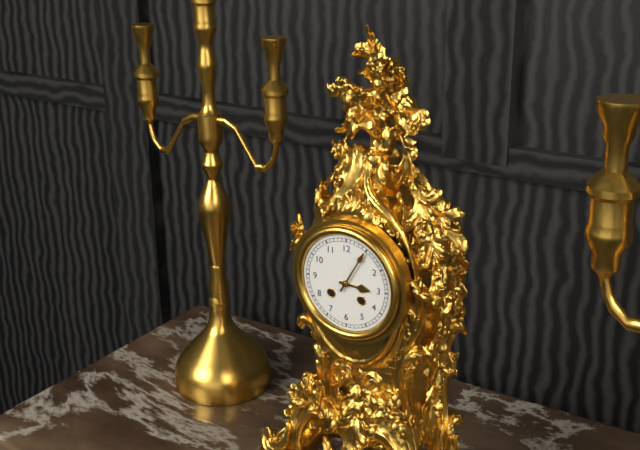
3,05
